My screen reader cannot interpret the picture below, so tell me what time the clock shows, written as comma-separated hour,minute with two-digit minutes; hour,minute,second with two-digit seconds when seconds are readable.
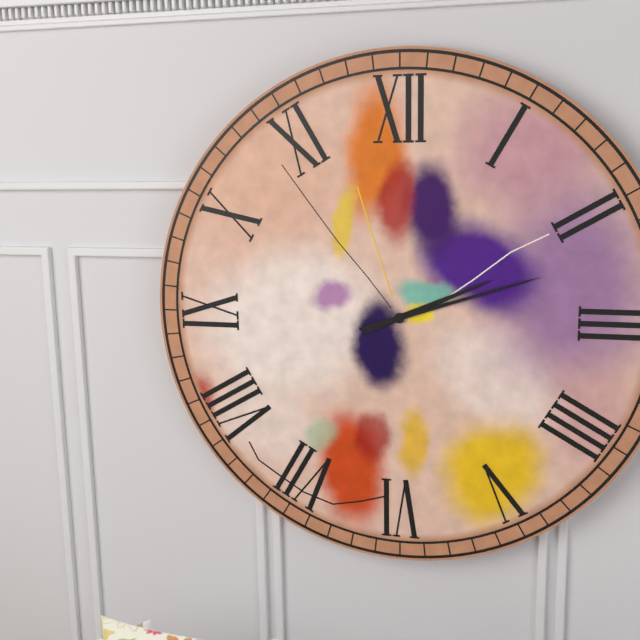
2,12
